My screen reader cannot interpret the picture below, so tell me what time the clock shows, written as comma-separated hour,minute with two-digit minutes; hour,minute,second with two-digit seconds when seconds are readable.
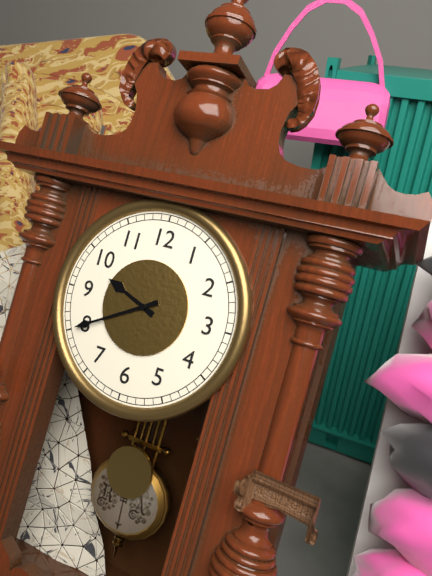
9,40
